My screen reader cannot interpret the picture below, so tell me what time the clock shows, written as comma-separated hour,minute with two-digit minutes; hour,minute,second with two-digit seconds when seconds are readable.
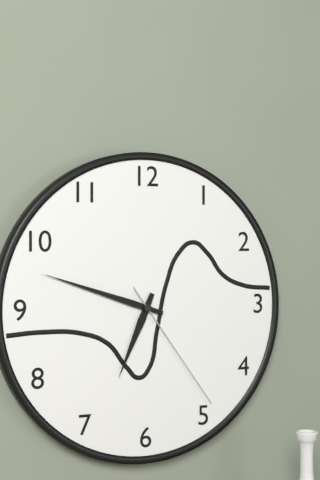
6,48,24
